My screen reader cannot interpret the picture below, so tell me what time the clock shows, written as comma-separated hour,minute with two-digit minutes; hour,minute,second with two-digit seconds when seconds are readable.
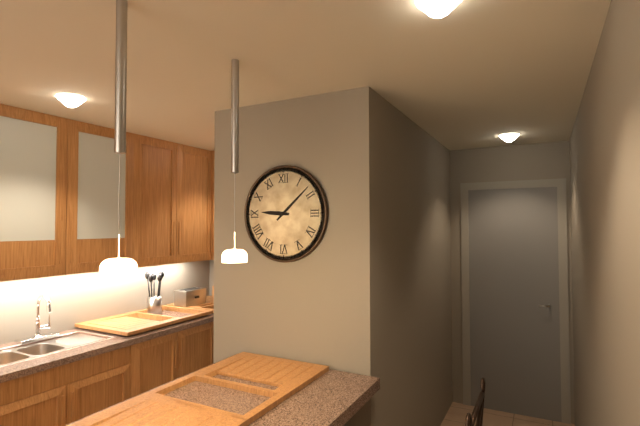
9,08
